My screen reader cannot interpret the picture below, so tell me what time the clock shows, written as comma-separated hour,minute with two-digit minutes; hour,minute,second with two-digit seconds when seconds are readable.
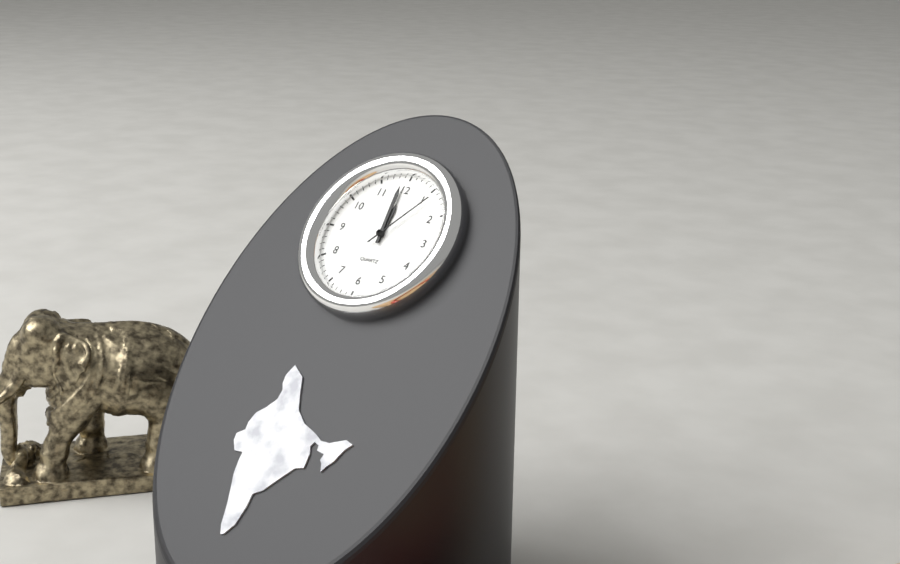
11,59,06
